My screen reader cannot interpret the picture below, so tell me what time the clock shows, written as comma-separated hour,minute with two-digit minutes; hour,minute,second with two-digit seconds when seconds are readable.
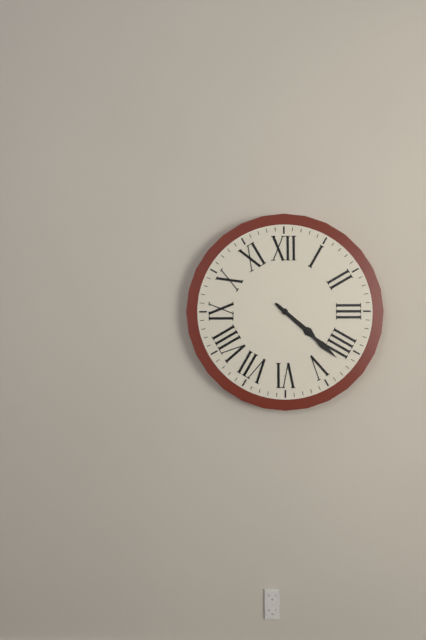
4,22
